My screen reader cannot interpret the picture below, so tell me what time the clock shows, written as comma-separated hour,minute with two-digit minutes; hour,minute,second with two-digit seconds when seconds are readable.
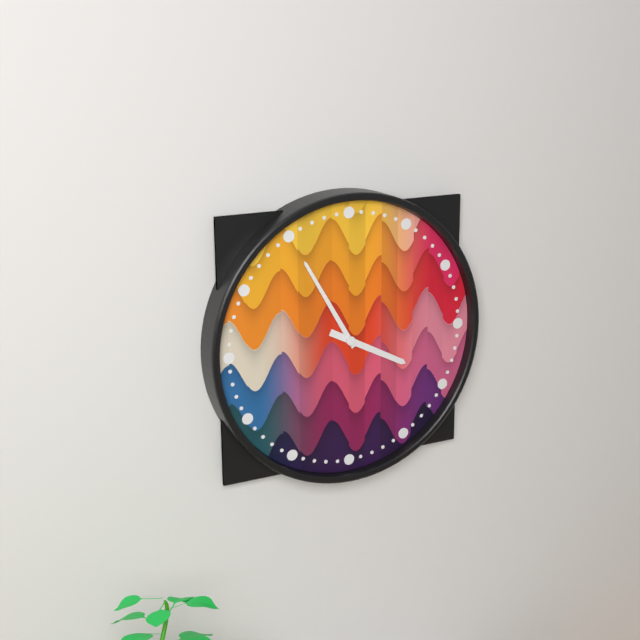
3,55
